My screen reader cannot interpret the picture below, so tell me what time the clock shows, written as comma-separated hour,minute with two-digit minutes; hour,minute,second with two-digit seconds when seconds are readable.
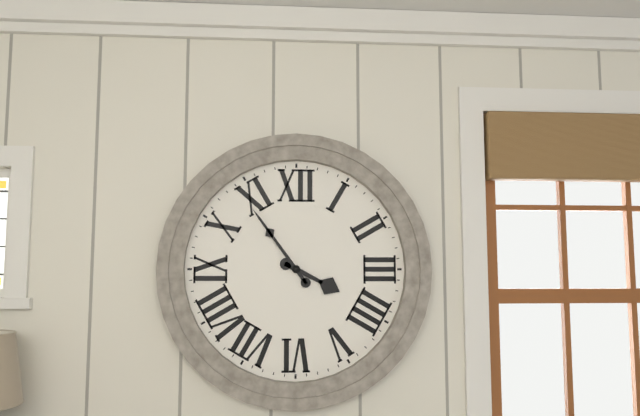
3,54
